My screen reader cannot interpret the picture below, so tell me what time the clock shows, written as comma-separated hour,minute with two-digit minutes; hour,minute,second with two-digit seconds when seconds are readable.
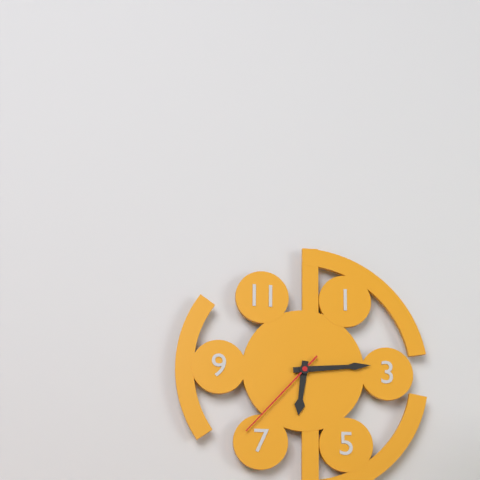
6,14,37
